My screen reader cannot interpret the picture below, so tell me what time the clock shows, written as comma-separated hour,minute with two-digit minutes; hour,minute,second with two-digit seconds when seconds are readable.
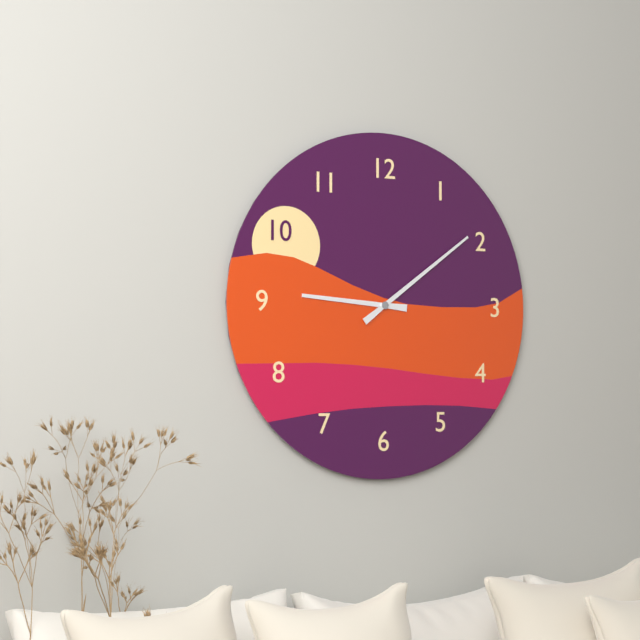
9,09
